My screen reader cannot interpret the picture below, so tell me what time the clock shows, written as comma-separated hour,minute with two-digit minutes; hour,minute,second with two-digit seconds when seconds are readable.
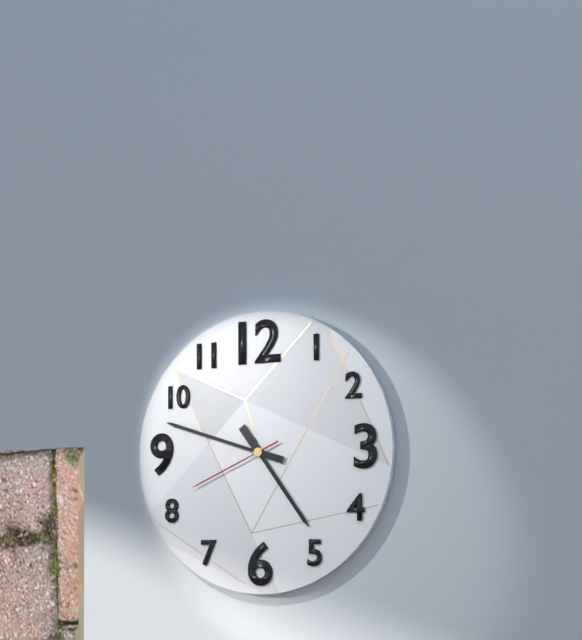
4,48,41
